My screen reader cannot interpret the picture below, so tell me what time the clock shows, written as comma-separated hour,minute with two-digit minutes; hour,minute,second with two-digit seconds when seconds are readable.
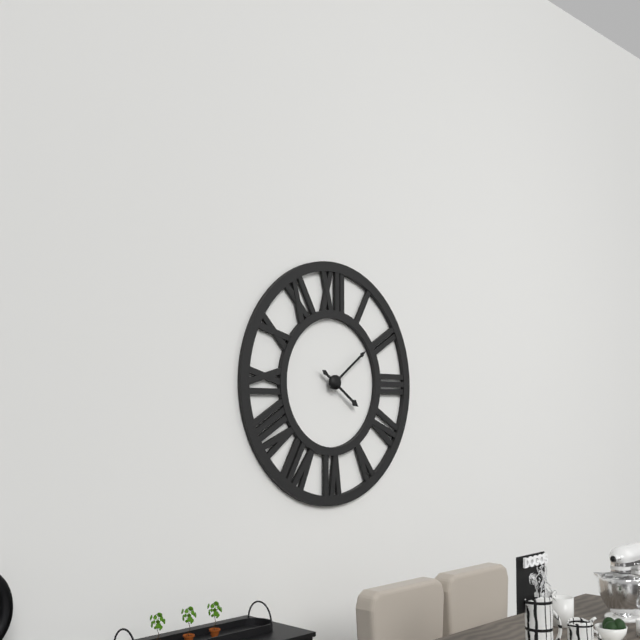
4,09
